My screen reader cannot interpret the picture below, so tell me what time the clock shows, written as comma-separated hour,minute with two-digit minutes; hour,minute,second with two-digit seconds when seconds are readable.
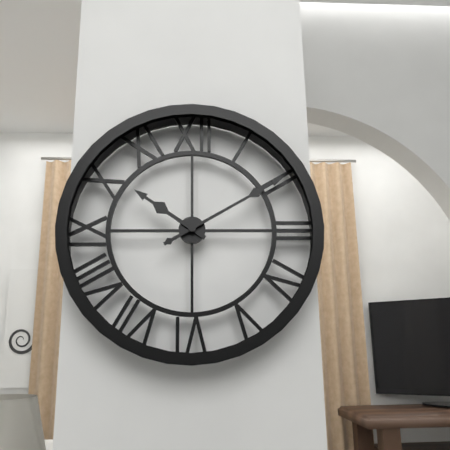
10,10
